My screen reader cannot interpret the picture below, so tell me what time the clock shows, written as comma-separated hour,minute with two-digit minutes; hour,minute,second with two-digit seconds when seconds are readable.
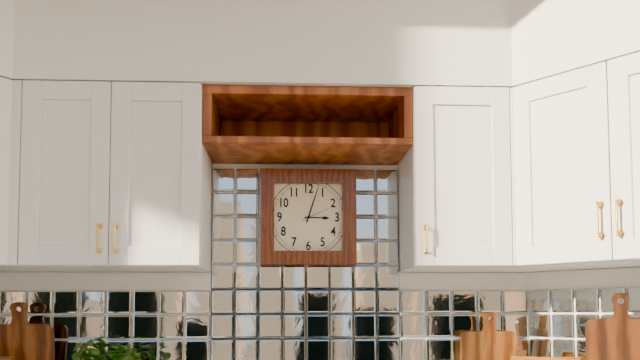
3,03
